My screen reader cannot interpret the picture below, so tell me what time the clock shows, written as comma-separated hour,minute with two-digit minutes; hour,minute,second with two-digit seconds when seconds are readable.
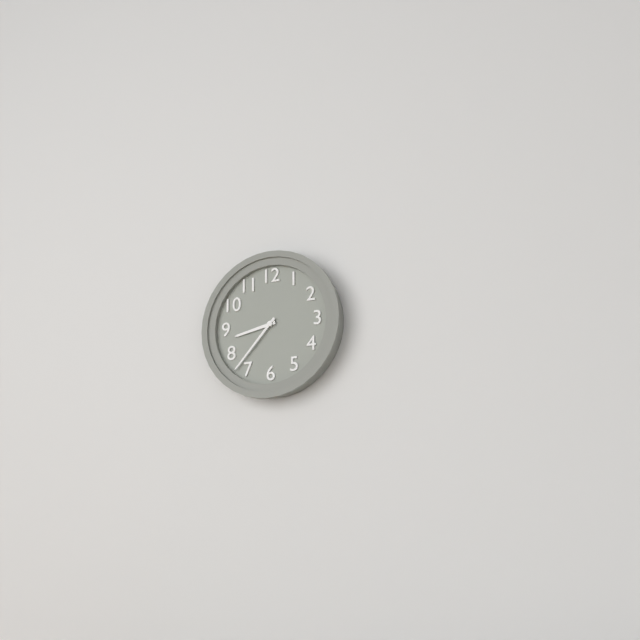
8,37
